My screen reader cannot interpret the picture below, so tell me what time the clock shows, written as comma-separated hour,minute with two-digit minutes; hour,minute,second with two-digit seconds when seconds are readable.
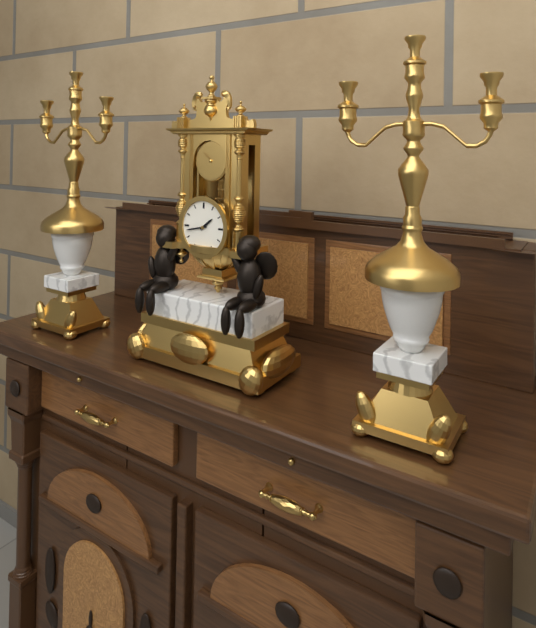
1,43
